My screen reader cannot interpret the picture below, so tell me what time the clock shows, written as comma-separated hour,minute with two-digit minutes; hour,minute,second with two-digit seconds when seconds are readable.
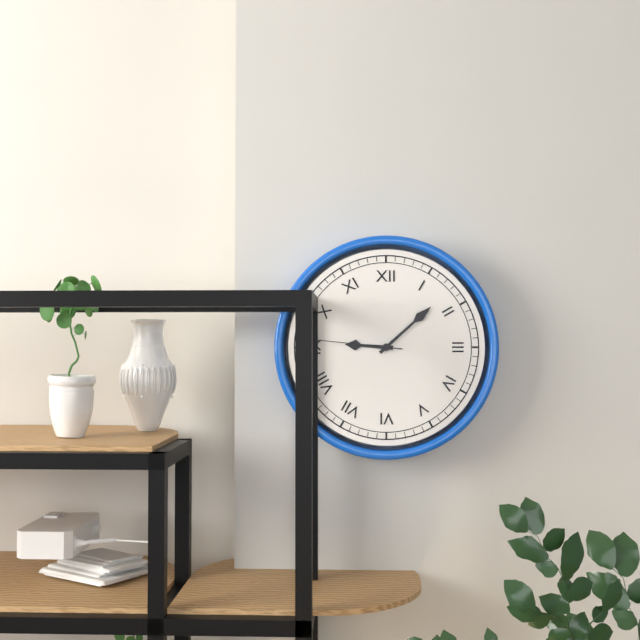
9,08,46
